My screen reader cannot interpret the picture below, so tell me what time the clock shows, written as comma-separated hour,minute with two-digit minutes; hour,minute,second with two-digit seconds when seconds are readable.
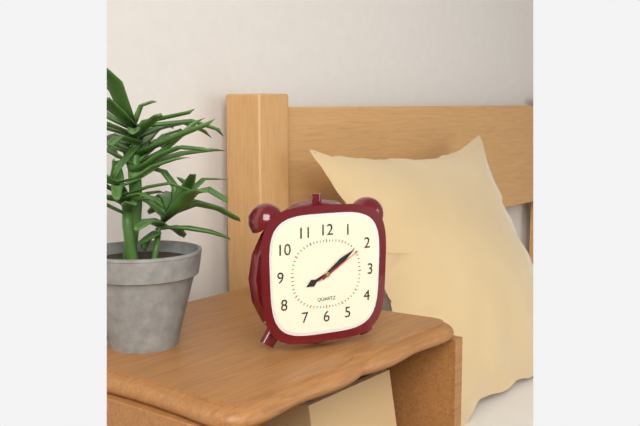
8,09
